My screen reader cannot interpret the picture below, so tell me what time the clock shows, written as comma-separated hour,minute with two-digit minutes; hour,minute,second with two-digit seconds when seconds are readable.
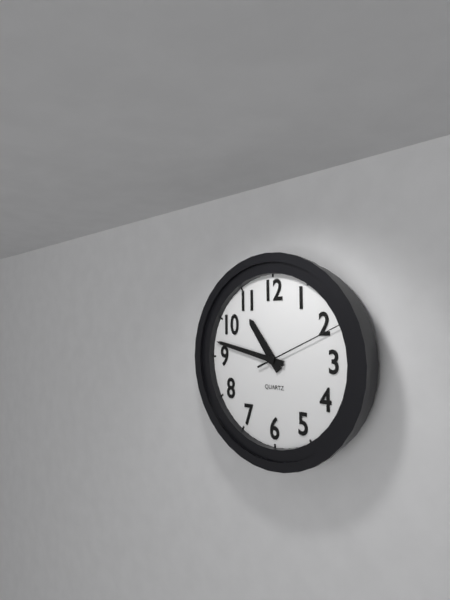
10,47,11
